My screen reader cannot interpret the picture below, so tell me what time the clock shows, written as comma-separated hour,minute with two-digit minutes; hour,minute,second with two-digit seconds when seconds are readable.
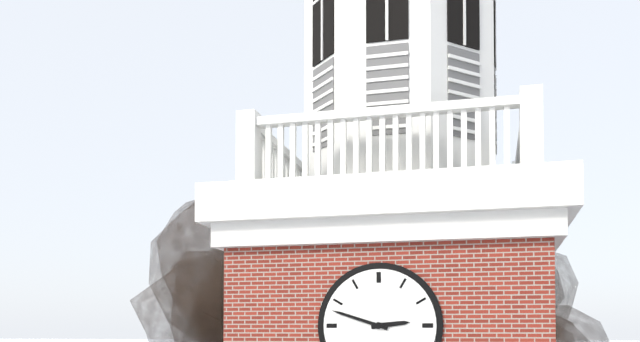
2,48
